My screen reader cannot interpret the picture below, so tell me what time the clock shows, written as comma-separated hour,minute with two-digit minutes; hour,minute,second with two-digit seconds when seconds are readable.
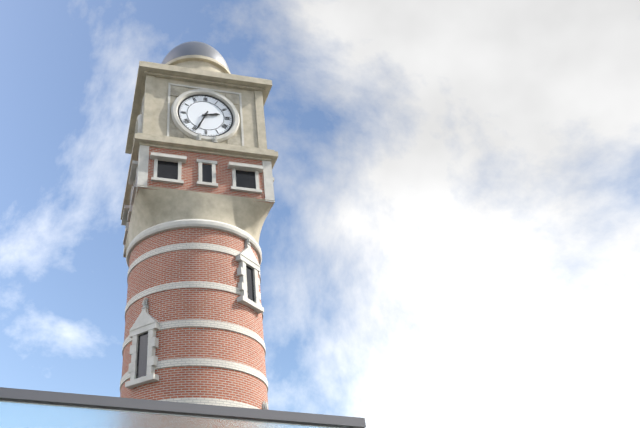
2,34
